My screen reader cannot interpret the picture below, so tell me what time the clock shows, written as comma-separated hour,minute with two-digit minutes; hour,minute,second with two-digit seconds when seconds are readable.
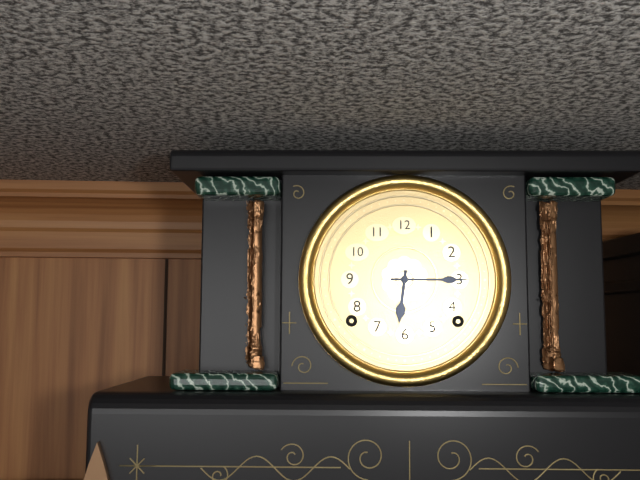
6,15
